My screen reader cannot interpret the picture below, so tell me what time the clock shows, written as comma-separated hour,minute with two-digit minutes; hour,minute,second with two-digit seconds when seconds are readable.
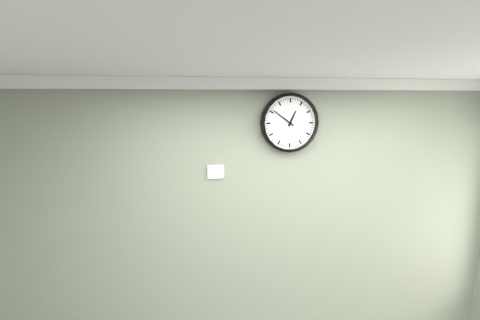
12,51
